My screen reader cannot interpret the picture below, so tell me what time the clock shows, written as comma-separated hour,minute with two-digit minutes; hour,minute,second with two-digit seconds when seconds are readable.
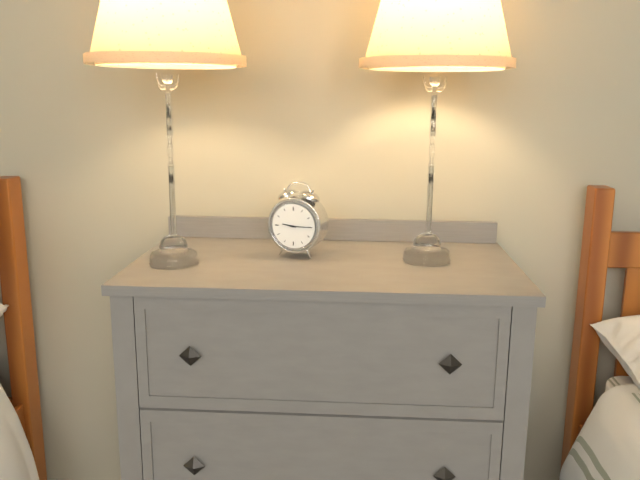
9,15
